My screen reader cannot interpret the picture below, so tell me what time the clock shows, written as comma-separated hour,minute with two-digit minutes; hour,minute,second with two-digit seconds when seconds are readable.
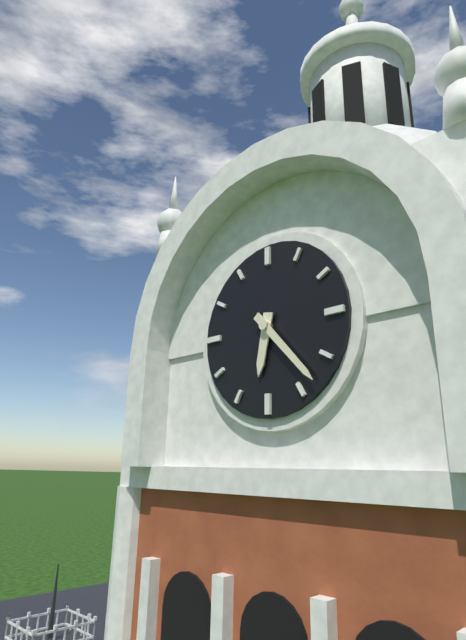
6,23
